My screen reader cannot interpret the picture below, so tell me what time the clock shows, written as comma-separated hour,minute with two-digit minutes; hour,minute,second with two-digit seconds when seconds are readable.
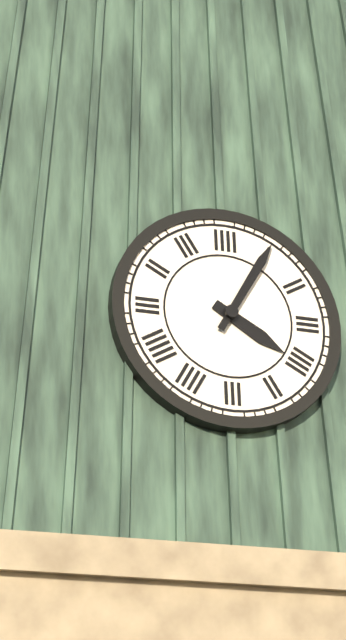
4,05
